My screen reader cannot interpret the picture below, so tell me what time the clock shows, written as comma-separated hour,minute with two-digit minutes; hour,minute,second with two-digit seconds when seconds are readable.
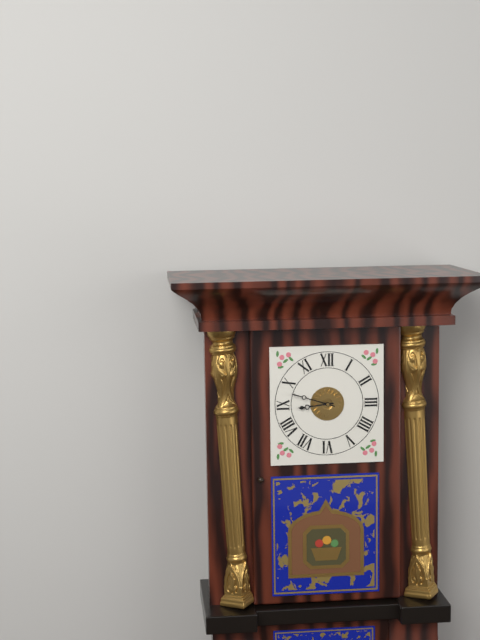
8,48
